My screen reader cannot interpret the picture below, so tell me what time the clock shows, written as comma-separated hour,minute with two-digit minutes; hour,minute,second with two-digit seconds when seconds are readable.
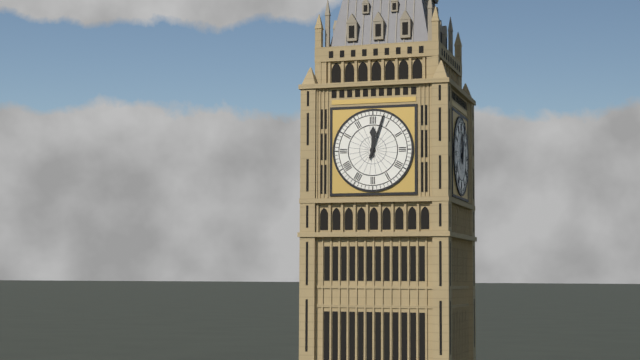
12,03
